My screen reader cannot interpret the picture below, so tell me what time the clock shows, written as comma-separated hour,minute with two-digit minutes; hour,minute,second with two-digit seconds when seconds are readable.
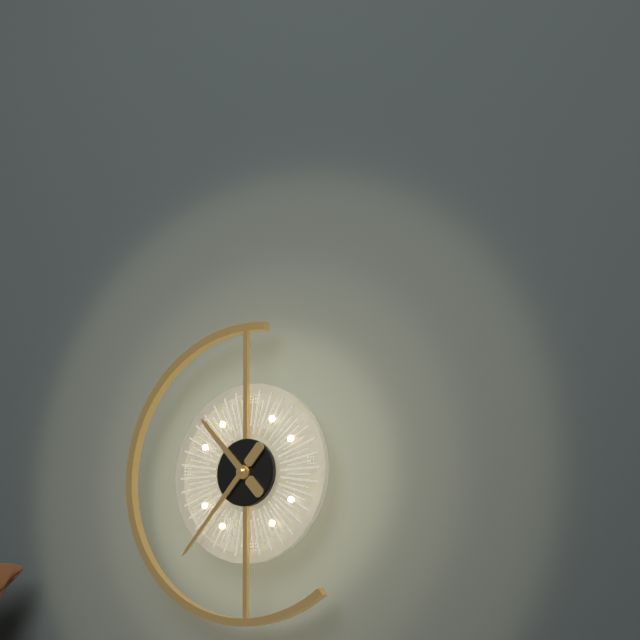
10,37
